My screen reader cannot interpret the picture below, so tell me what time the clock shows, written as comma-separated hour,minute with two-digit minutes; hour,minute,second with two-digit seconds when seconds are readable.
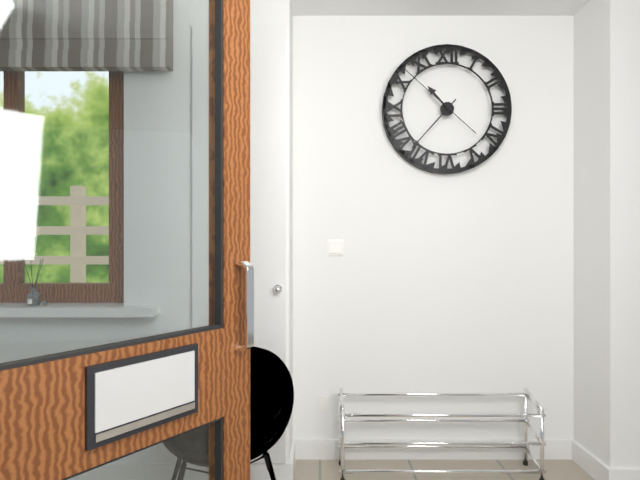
10,37,52
